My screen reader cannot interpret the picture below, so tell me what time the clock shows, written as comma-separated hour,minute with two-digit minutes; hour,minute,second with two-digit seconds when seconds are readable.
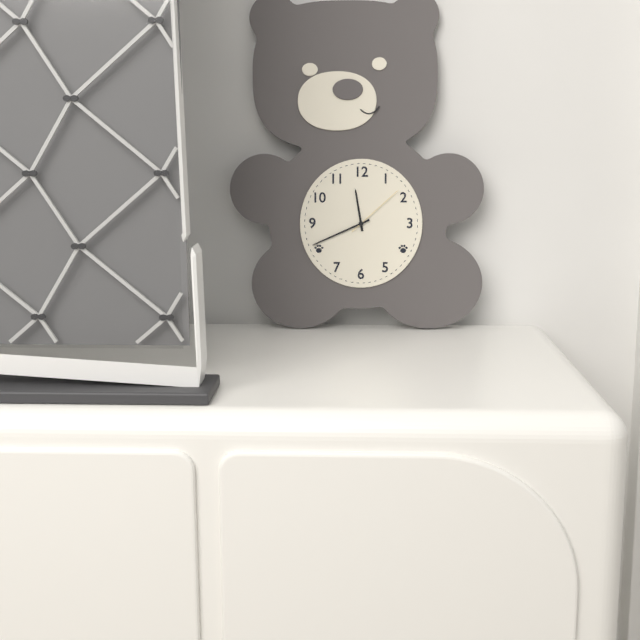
11,41,08
